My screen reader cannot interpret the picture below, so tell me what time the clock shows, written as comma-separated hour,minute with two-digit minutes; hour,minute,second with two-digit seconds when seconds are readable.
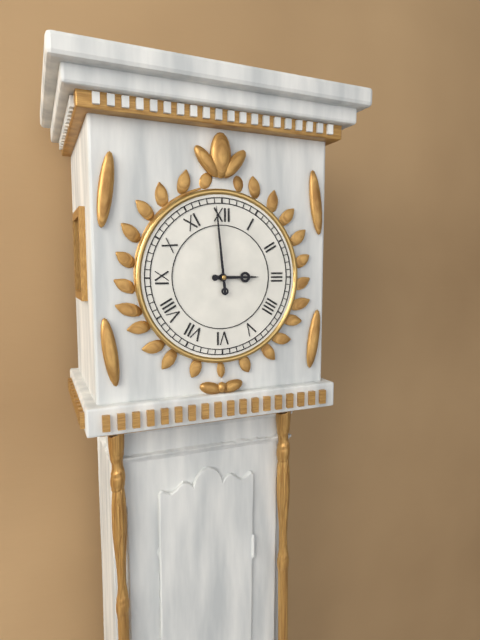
2,59
